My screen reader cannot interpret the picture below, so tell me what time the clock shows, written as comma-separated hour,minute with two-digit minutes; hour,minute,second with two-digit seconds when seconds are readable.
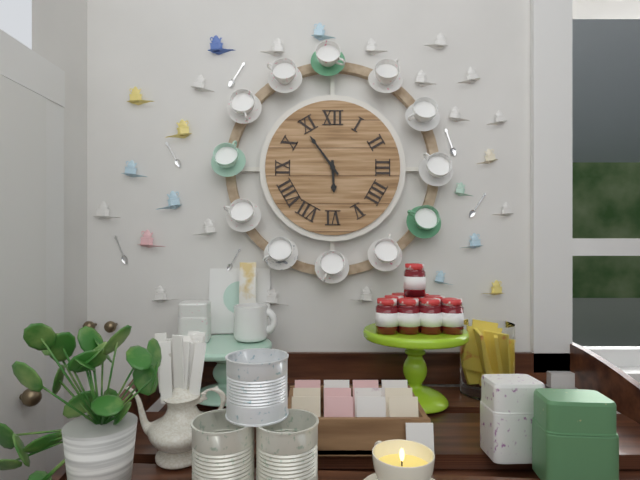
5,54
